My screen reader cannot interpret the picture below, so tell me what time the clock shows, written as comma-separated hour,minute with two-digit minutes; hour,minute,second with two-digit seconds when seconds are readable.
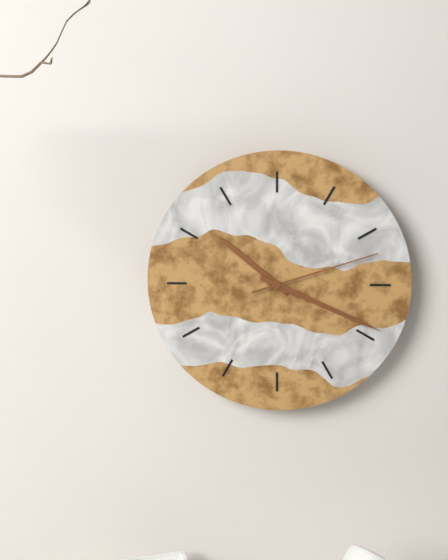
10,19,12
